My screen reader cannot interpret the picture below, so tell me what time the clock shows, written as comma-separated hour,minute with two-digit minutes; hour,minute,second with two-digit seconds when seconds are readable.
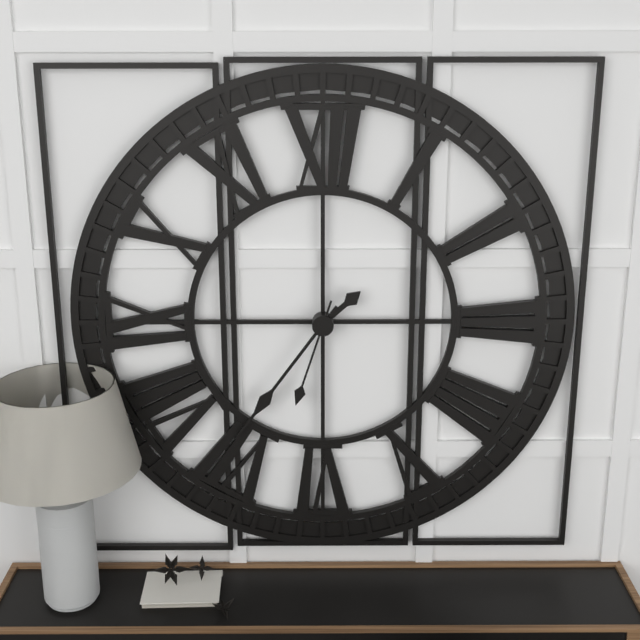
1,36,33
